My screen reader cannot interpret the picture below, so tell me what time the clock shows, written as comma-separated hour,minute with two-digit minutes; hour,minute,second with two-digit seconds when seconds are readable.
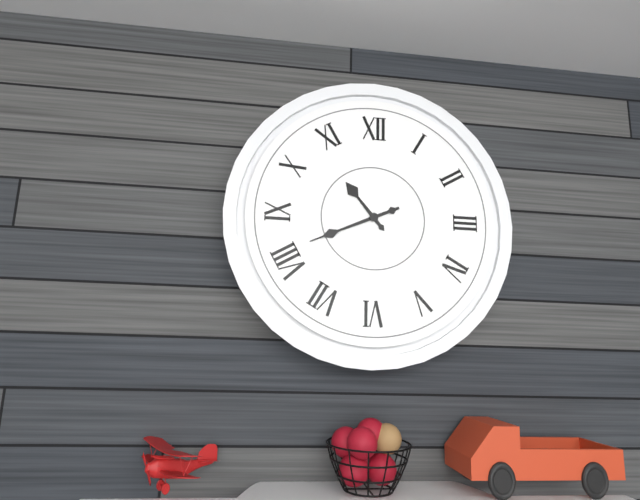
10,41
